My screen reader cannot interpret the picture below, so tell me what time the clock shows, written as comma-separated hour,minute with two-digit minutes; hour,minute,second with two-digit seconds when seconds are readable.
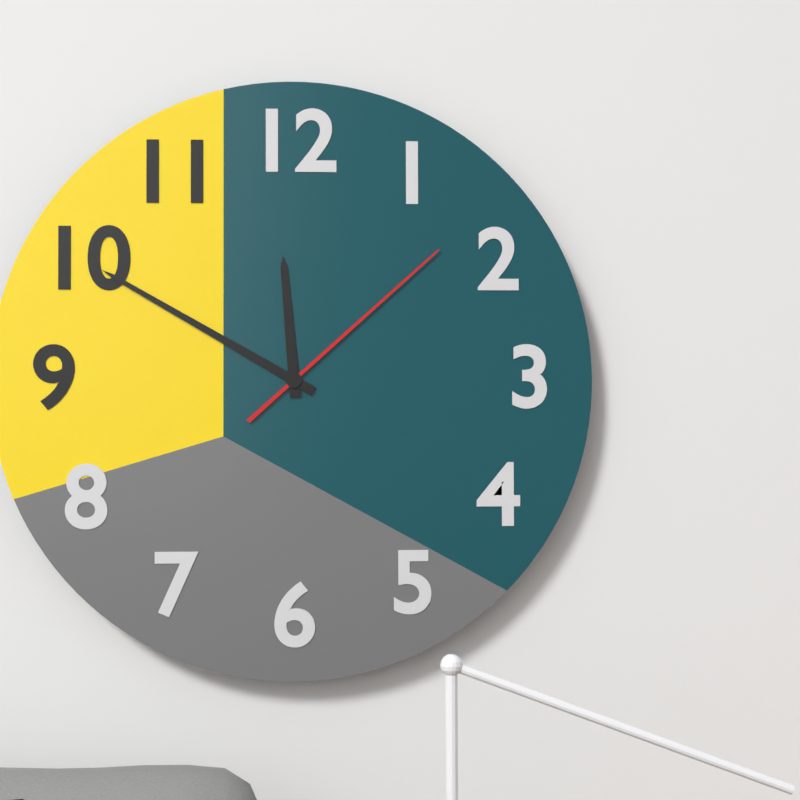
11,50,08
